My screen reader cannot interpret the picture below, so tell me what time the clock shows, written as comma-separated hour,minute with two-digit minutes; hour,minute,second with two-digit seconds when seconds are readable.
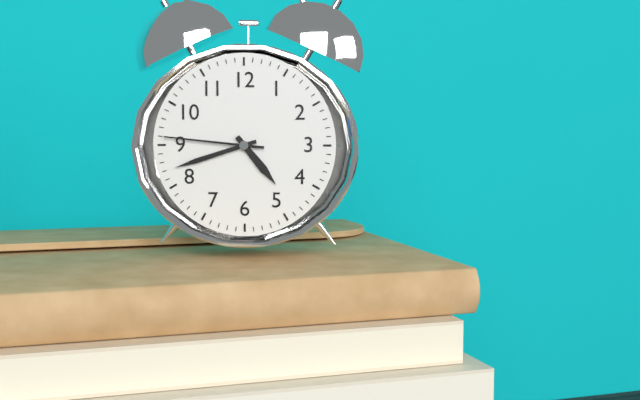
4,42,46
